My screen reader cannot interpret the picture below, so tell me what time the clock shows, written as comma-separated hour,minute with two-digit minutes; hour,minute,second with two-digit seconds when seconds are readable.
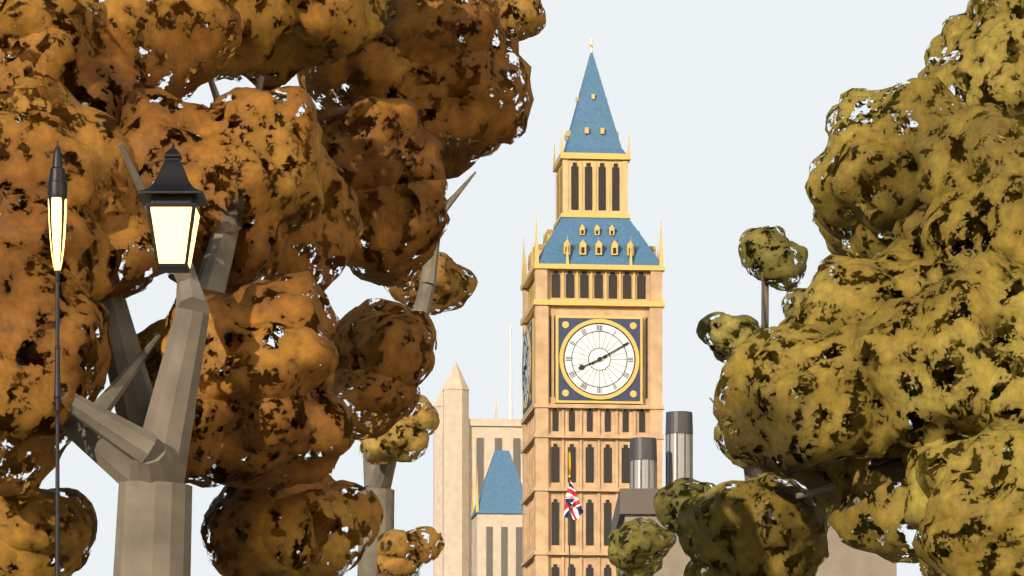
8,10
